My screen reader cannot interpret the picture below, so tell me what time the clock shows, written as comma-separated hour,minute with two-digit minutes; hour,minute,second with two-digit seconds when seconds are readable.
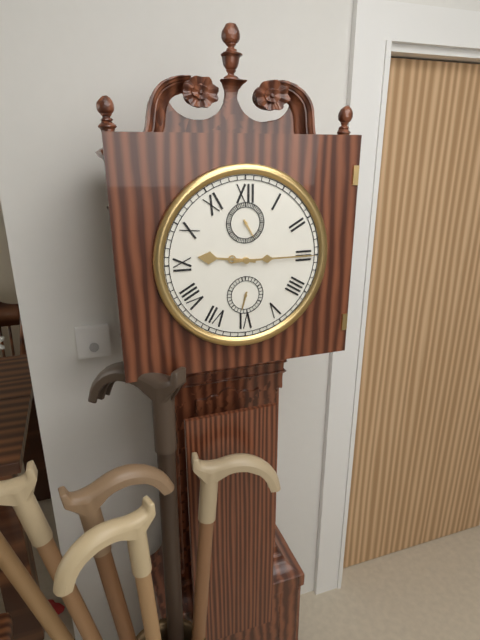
9,15
